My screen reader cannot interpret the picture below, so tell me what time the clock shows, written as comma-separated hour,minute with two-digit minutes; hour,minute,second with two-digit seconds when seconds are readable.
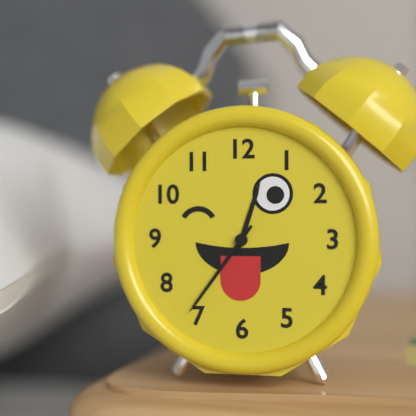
12,36
